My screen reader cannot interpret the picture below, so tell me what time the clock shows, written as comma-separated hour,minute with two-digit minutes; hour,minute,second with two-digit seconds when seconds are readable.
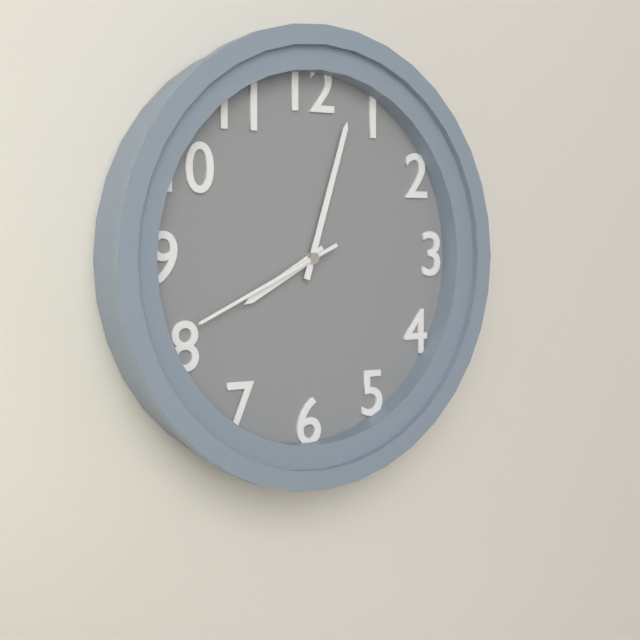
8,03,41
